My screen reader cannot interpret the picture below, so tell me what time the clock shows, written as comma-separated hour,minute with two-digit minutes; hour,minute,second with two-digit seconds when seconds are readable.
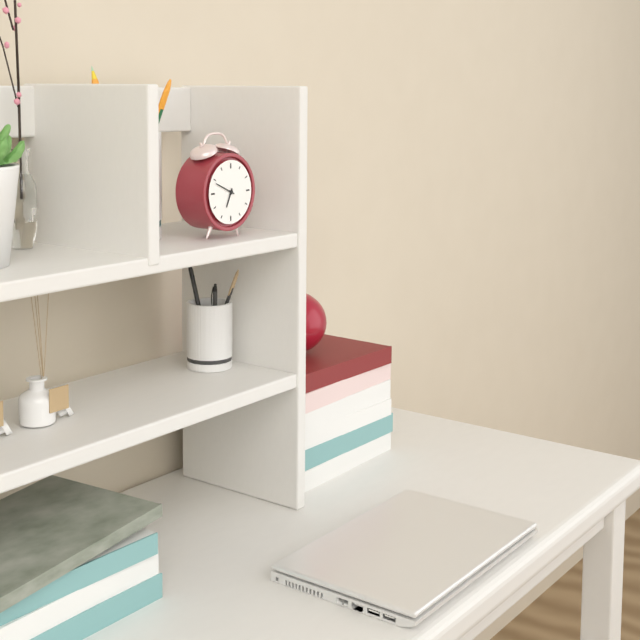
6,49
